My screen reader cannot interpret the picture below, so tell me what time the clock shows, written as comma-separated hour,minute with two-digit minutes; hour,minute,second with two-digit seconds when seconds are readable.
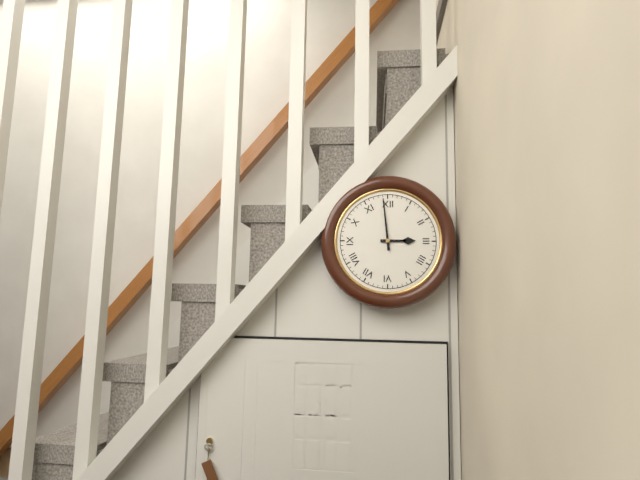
2,59
